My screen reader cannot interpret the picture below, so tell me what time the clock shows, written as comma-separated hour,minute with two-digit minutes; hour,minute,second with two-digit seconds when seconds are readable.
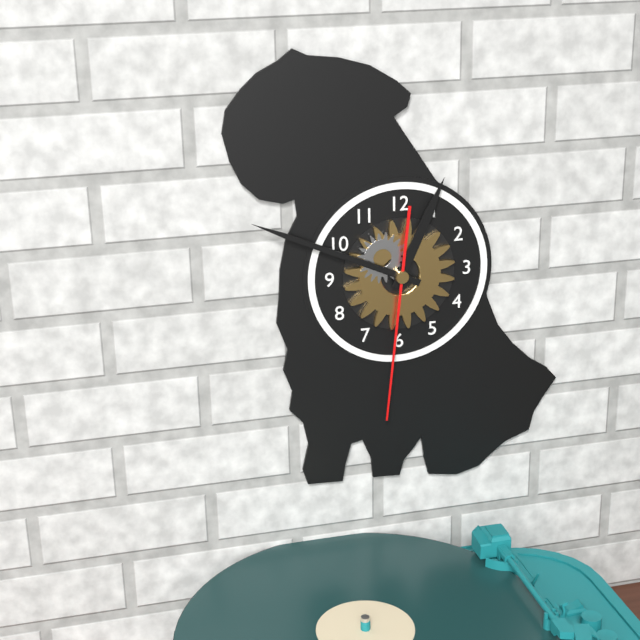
12,49,31
